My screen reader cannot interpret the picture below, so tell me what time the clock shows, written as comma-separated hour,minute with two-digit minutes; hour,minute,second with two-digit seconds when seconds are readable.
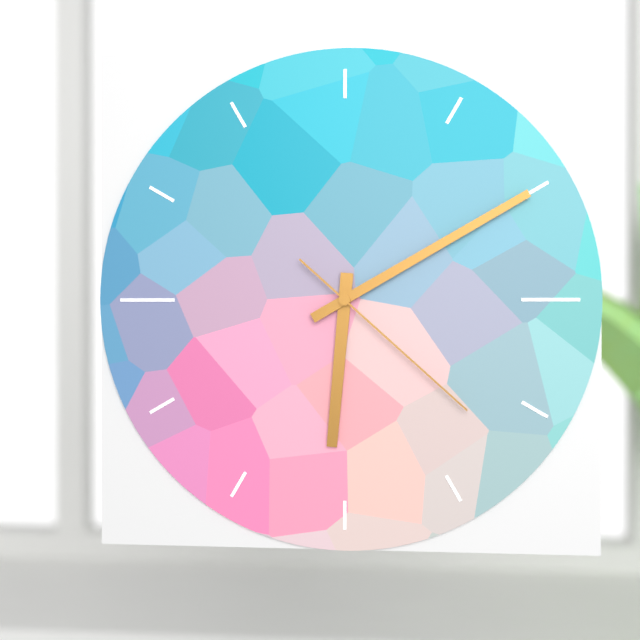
6,10,22
